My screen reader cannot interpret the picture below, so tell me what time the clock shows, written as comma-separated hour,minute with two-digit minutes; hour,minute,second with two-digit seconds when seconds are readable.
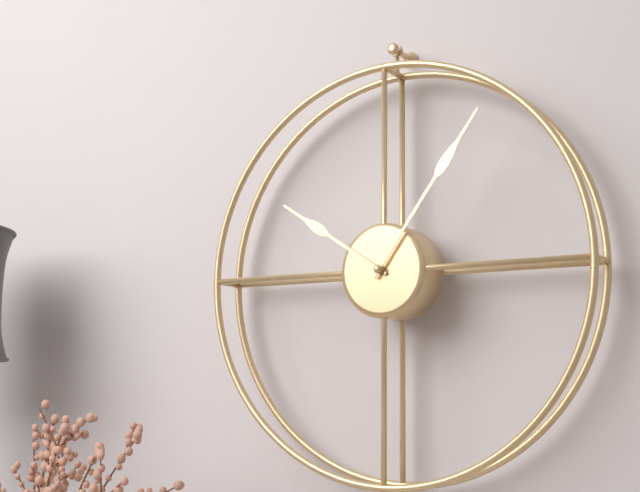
10,06
